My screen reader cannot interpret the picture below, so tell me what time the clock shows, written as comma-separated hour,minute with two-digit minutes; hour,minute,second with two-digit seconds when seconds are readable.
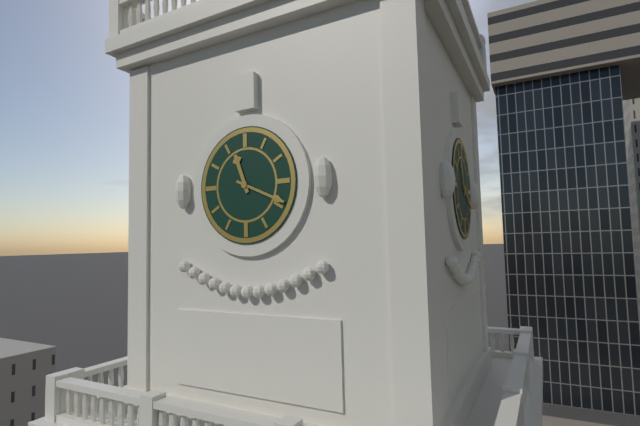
11,19
